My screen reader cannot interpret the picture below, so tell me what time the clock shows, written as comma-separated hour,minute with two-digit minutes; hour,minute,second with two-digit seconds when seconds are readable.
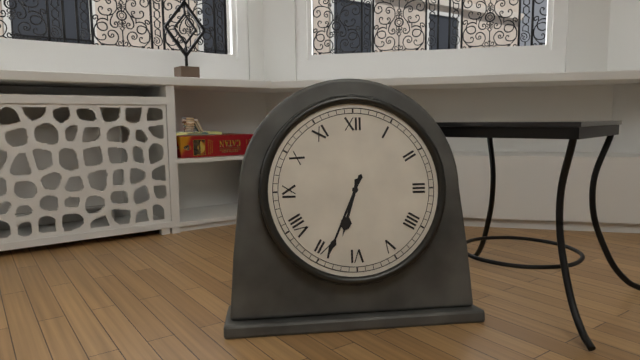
6,34
